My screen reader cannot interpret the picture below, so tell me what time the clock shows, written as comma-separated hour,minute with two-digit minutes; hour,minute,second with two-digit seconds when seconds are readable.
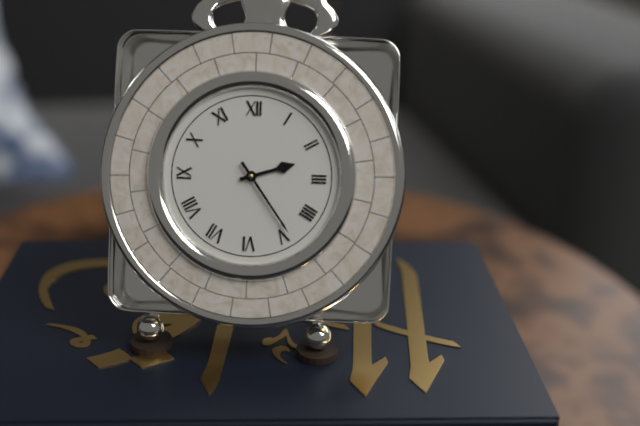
2,24
